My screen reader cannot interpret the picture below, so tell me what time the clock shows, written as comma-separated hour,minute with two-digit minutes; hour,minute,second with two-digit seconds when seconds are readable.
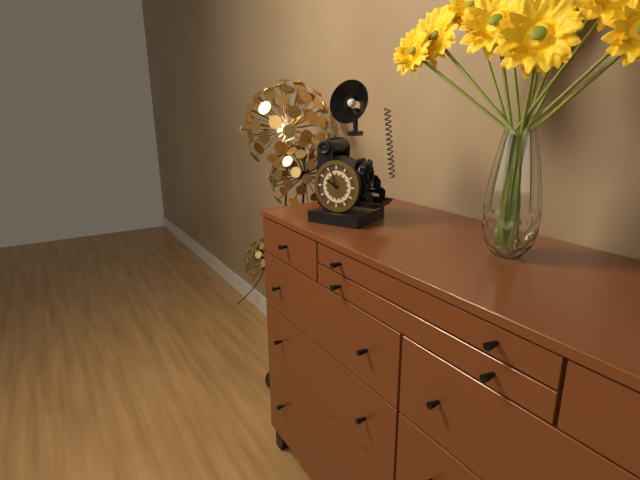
9,57
